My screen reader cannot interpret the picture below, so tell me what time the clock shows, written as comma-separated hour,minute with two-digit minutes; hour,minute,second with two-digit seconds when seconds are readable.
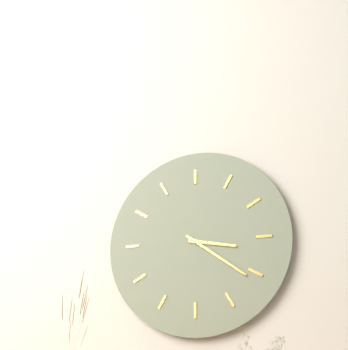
3,21
